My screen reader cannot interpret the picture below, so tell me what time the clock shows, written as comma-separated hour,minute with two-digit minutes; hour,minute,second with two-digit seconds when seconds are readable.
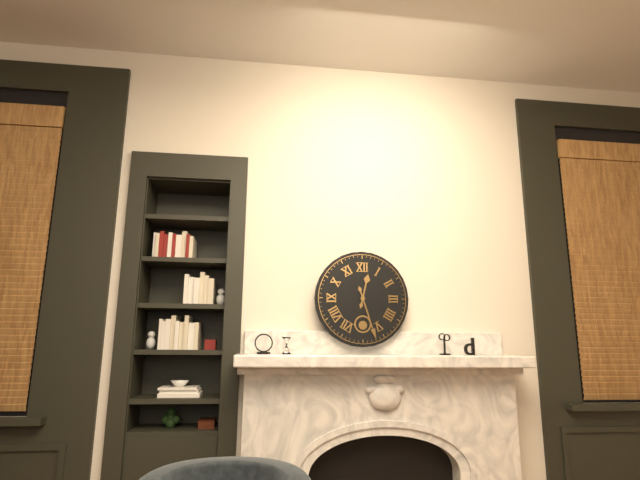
12,27
